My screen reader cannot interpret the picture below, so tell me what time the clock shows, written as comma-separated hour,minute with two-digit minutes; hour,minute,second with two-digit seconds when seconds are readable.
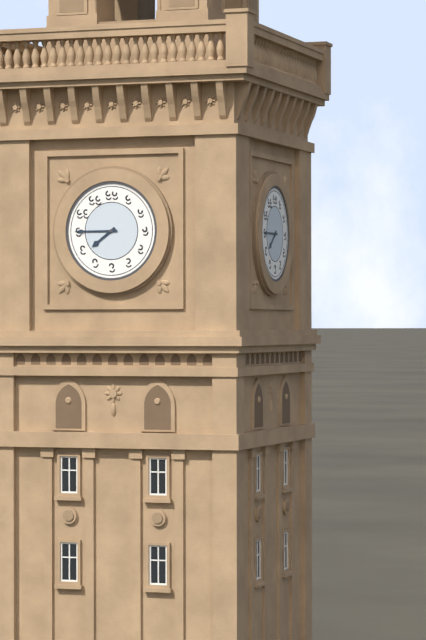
7,45
